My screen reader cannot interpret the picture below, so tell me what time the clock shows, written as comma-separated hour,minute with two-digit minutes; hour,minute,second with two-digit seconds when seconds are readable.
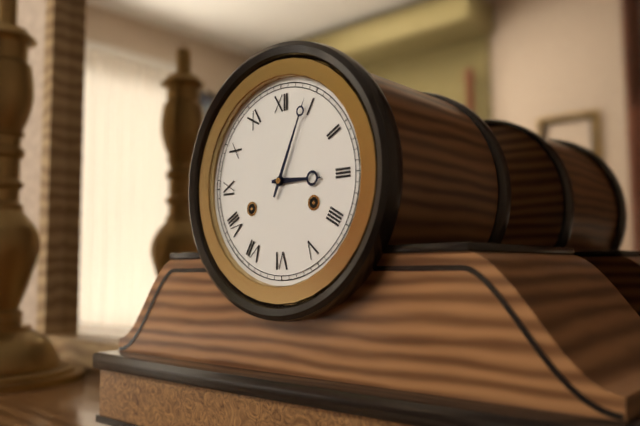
3,04
